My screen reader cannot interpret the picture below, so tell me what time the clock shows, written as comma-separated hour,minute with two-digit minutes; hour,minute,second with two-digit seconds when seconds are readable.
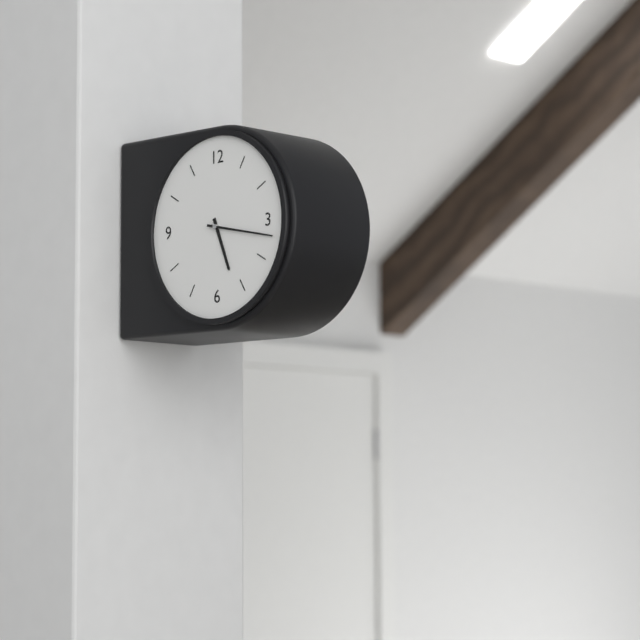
5,17
